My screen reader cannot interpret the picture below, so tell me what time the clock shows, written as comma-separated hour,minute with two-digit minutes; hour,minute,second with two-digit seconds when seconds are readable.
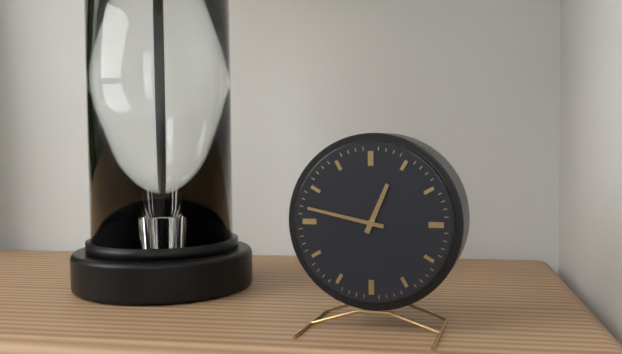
12,47
